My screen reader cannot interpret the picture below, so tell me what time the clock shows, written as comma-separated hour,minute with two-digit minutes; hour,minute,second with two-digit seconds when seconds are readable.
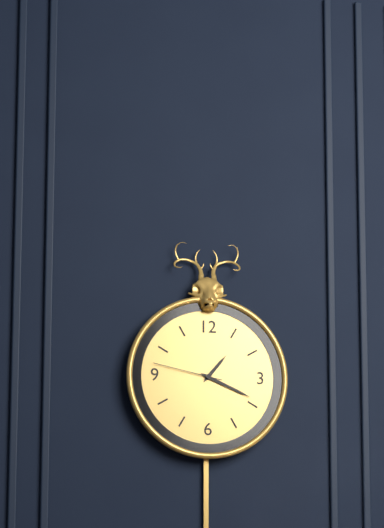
1,19,47
